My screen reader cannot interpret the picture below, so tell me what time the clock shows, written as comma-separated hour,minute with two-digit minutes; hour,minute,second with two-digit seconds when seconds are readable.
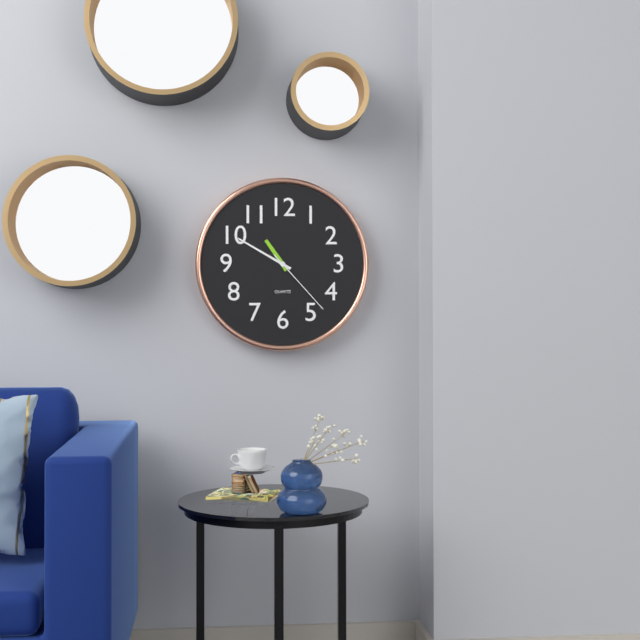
10,50,23
